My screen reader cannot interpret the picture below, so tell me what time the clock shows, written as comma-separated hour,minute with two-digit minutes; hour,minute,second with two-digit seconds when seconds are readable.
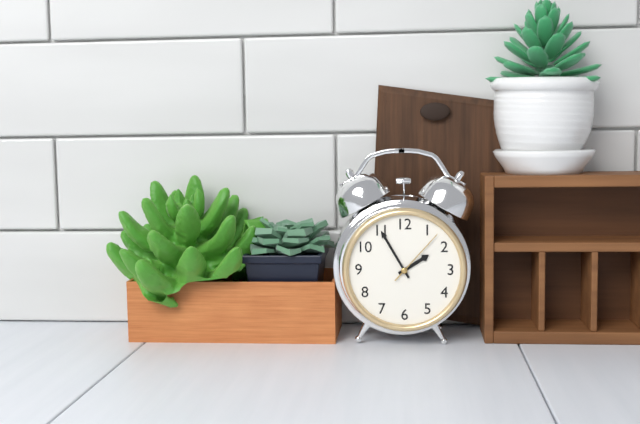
1,55,07
